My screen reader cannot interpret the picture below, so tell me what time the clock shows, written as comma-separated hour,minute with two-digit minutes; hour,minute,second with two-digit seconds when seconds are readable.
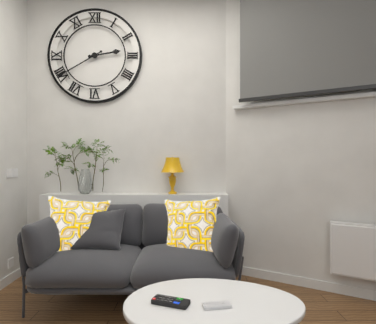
2,40
